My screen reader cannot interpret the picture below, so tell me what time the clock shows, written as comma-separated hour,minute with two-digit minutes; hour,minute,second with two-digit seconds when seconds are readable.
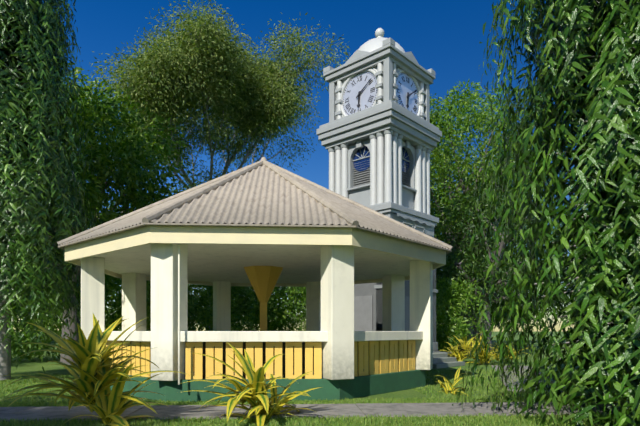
6,09
